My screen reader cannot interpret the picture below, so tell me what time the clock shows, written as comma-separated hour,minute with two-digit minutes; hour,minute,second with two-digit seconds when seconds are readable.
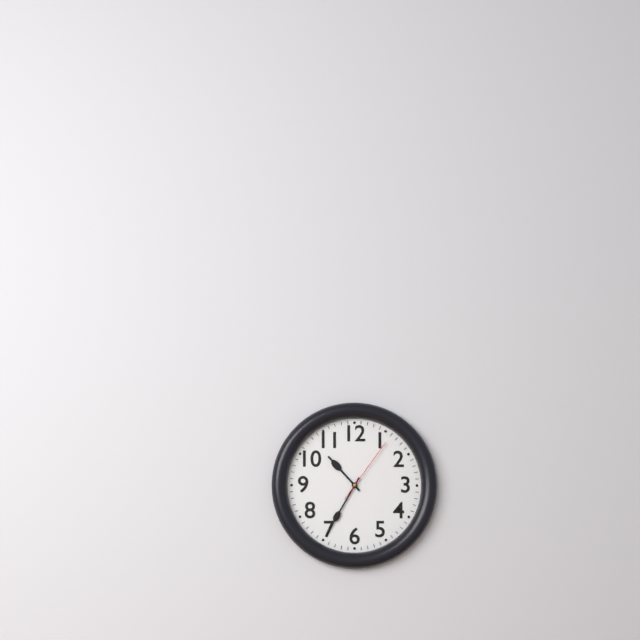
10,35,06
